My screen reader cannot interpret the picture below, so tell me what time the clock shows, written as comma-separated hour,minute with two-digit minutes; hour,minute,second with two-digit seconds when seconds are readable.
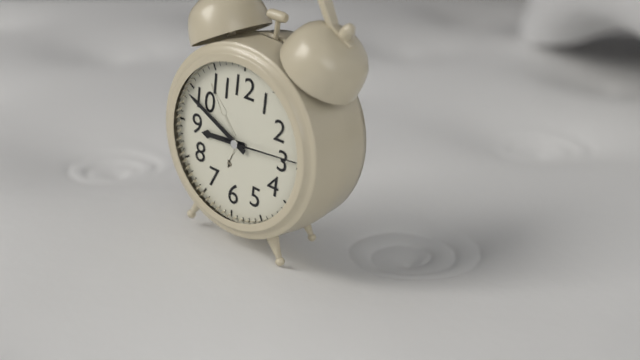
8,49,14
